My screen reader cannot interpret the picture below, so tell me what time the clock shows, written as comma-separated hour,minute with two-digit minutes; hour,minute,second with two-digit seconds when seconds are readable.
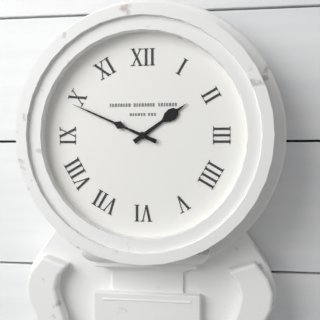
1,49
